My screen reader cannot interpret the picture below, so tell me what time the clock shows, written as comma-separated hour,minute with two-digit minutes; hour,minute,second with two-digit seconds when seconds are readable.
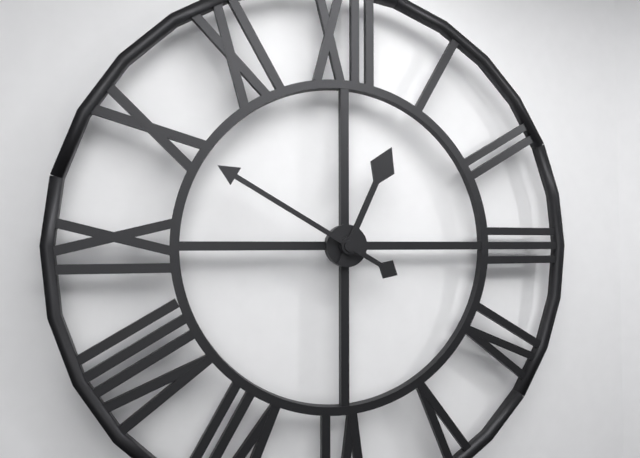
12,50
